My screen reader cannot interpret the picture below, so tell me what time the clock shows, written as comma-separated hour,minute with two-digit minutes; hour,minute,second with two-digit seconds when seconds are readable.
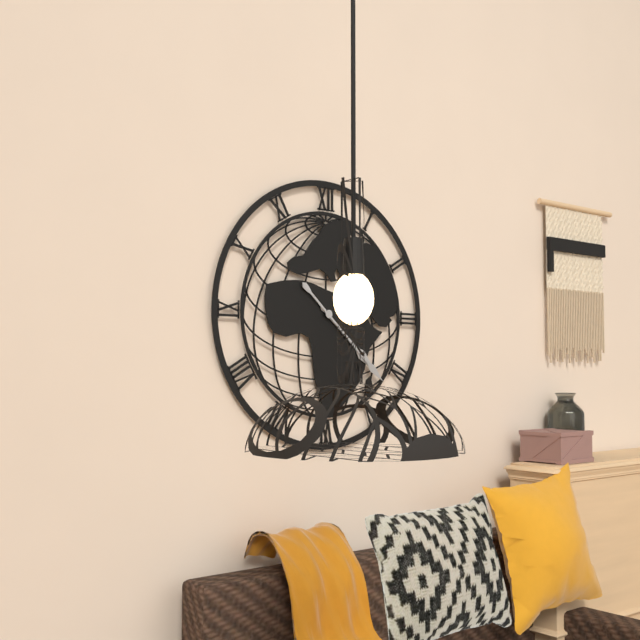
4,22
